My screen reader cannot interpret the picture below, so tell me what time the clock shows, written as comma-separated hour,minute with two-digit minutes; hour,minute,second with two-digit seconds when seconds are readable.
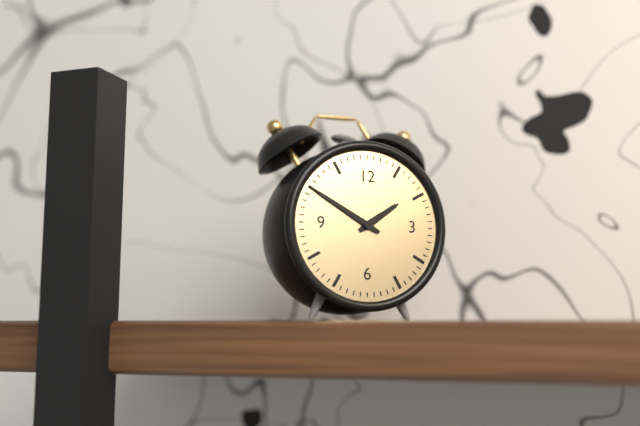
1,50
